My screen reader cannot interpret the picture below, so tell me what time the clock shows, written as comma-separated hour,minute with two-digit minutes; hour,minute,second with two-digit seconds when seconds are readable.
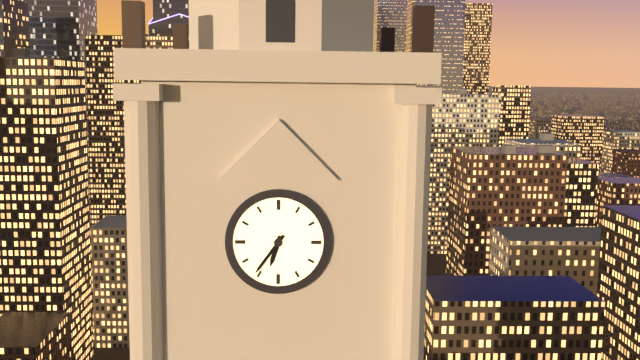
6,36
